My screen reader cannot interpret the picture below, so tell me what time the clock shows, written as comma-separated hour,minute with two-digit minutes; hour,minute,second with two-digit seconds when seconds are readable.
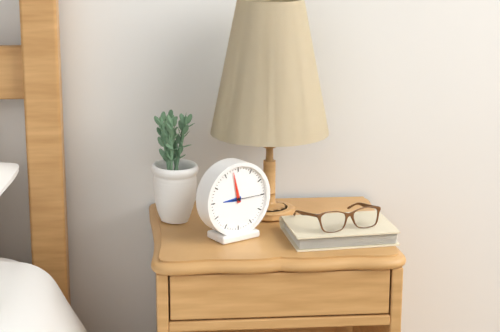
8,58
